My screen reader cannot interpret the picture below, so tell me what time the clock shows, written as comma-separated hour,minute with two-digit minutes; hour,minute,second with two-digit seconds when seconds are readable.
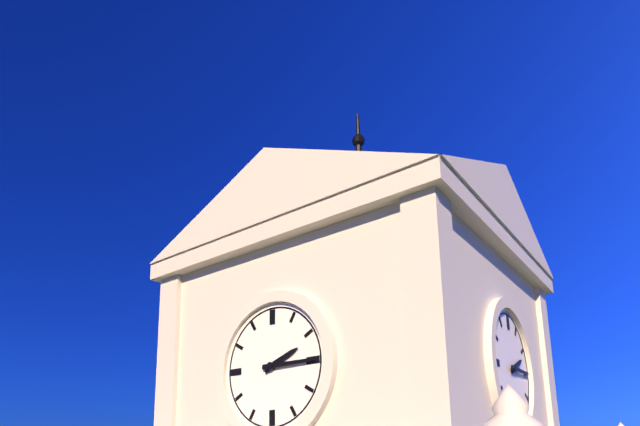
2,15
